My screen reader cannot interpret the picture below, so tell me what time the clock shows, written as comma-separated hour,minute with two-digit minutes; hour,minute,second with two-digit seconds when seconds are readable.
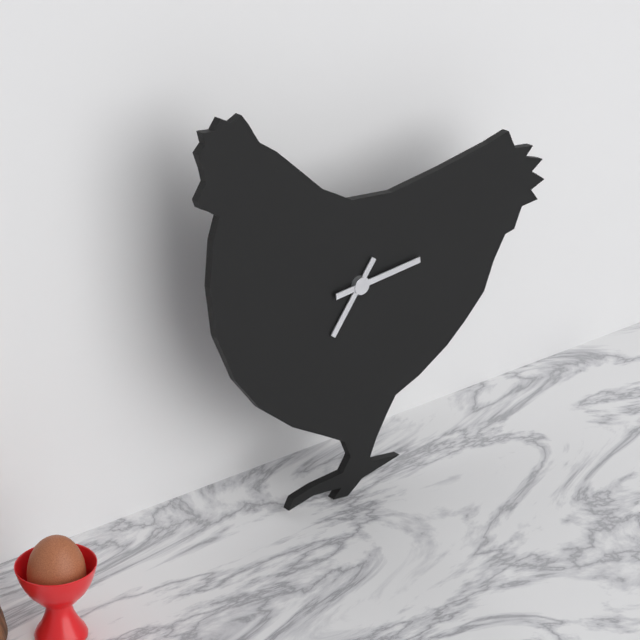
7,14
